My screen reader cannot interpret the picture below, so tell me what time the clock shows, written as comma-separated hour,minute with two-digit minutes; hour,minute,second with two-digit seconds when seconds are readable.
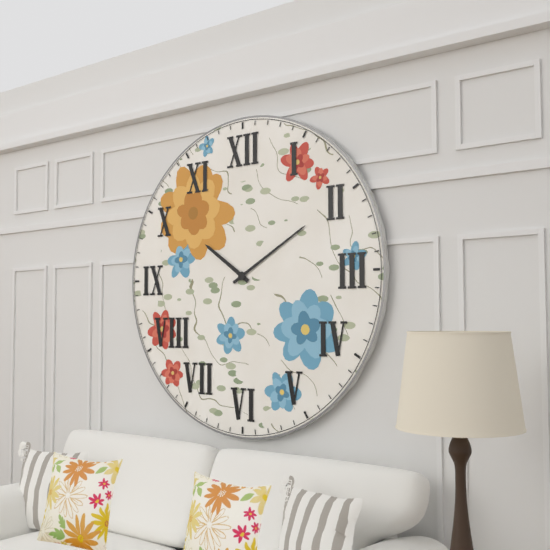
10,10
